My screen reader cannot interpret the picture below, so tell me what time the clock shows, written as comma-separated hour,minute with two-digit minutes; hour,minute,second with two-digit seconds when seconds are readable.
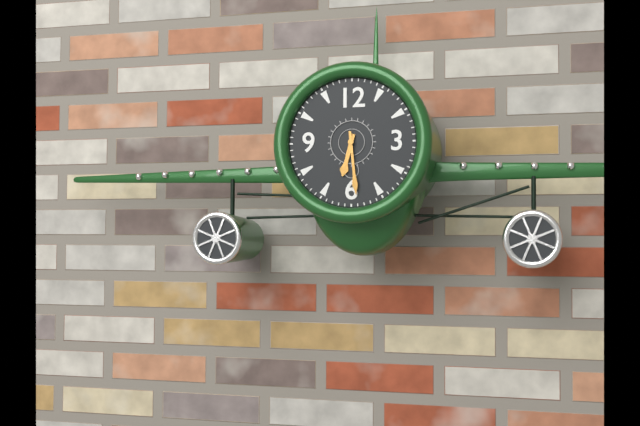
6,29
